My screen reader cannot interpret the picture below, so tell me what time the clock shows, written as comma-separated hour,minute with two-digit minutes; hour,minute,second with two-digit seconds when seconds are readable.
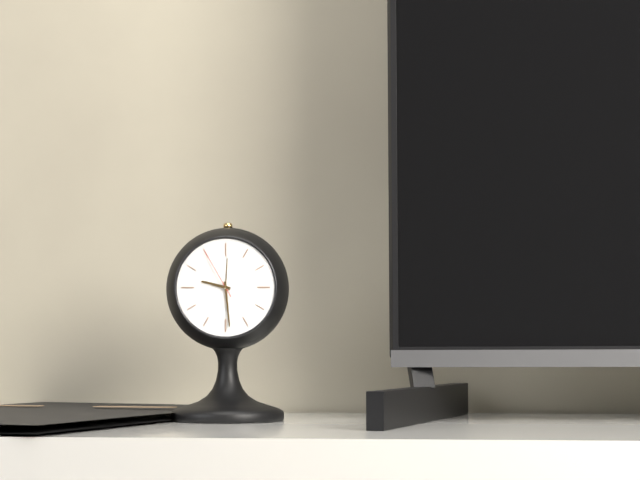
9,29,55
